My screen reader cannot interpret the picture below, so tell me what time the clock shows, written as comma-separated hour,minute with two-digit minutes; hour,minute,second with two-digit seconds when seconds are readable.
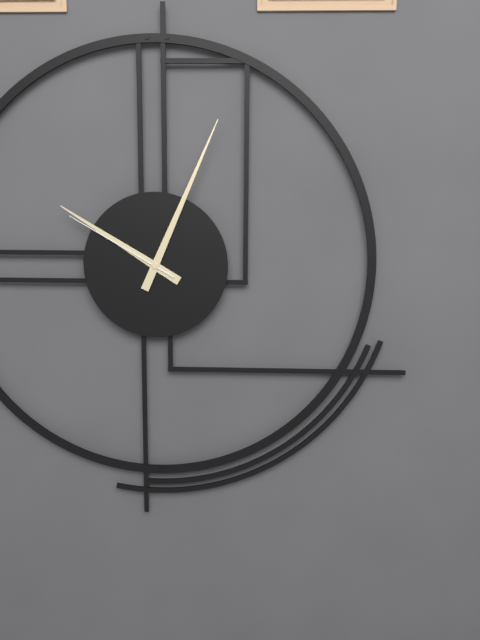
10,04,50
